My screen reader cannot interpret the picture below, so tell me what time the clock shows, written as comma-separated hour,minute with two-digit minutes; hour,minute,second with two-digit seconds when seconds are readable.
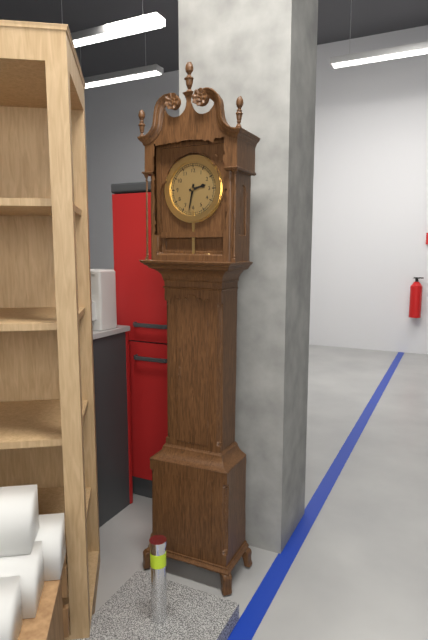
2,32
